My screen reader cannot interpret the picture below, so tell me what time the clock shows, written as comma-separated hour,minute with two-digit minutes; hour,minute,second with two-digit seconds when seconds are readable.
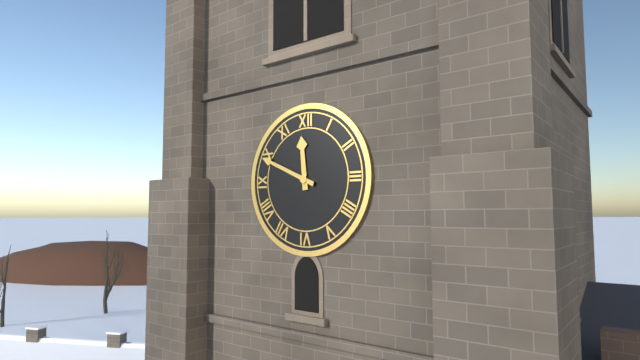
11,49
